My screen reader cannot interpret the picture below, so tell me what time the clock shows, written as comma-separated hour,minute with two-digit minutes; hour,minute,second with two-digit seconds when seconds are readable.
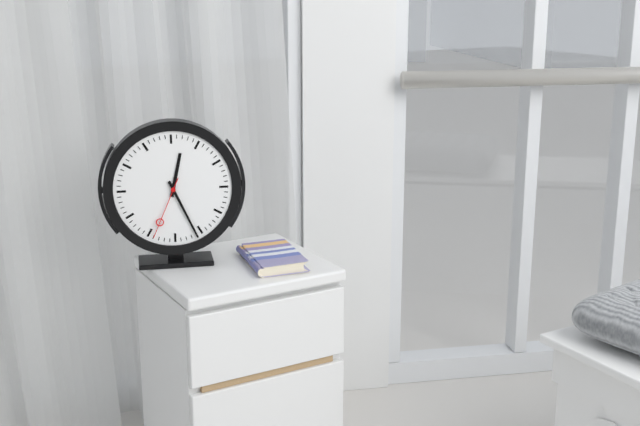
12,26,34
